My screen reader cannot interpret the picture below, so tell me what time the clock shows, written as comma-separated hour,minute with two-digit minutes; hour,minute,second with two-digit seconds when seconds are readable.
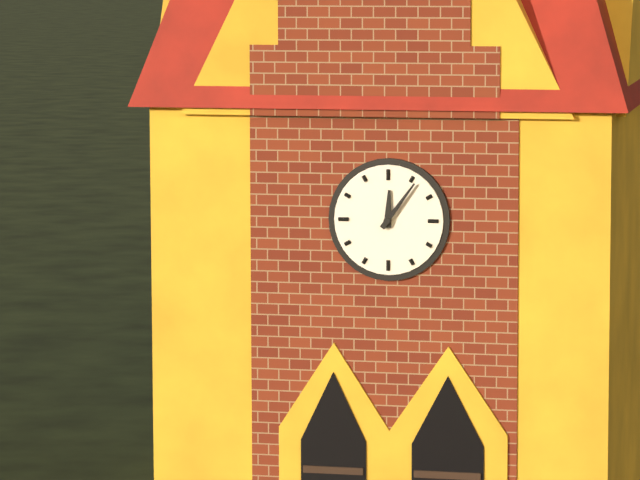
12,06
